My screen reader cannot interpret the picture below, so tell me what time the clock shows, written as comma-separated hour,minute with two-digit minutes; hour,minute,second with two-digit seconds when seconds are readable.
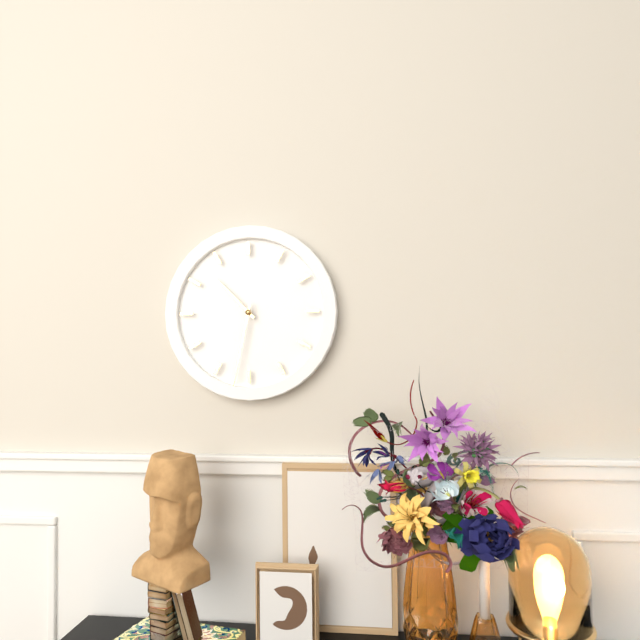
10,32
